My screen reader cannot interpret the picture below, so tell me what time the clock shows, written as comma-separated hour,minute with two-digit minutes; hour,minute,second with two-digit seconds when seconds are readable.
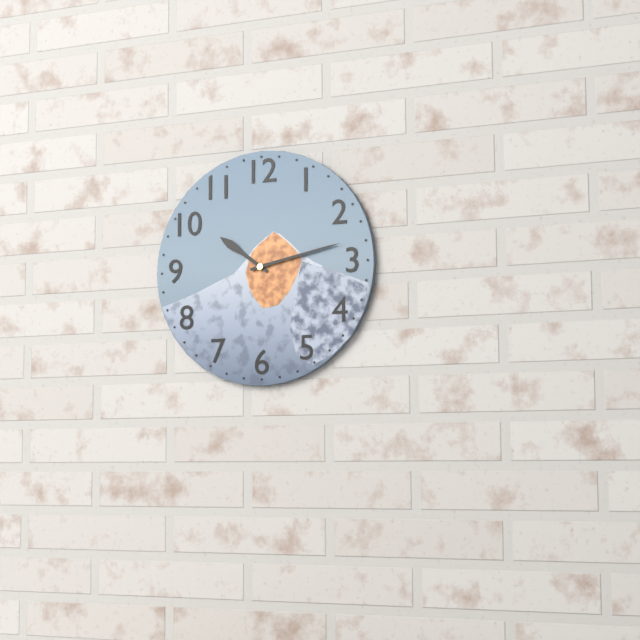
10,13
